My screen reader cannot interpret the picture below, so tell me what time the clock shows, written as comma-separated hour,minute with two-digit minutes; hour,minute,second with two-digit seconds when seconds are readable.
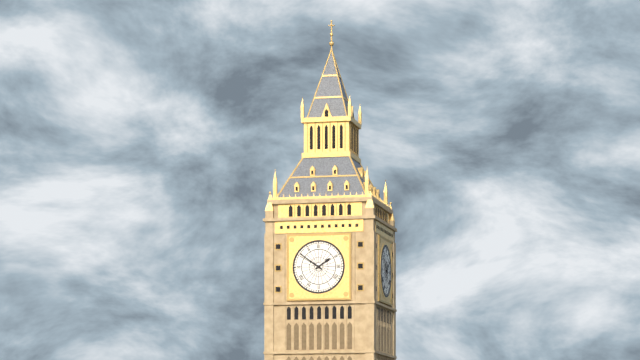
1,51
